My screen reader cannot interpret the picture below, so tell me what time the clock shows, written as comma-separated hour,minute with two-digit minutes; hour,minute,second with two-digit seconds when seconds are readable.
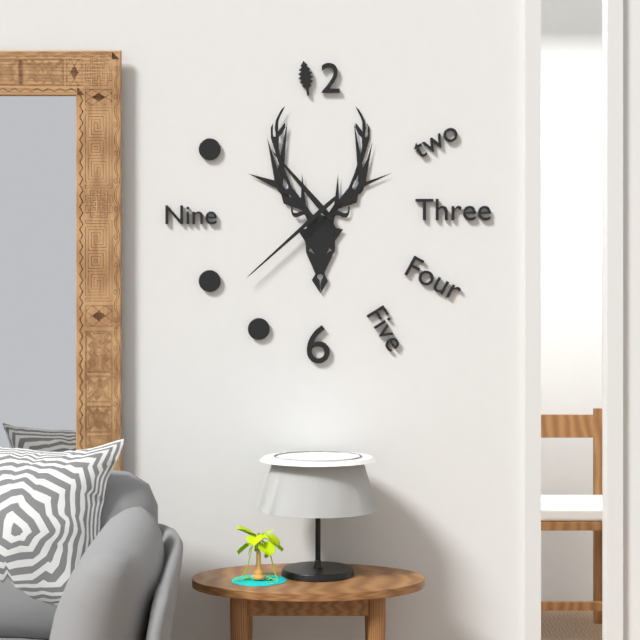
10,38
